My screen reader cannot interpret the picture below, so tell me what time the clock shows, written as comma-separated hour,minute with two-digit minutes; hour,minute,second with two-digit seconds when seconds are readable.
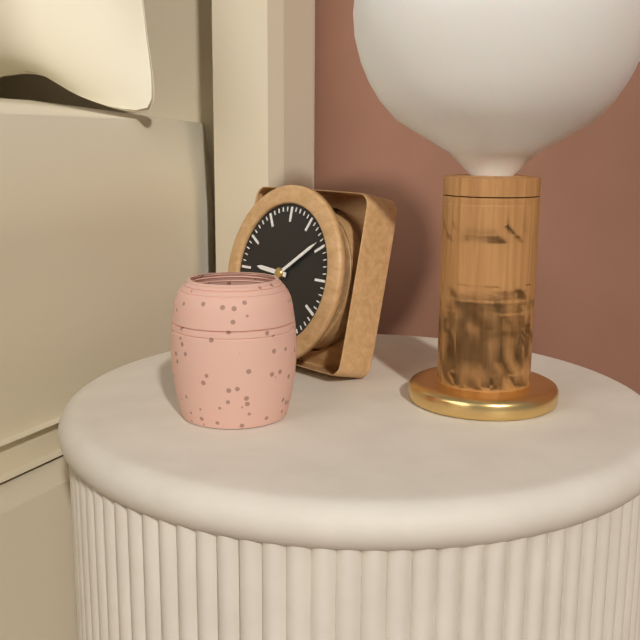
9,09
